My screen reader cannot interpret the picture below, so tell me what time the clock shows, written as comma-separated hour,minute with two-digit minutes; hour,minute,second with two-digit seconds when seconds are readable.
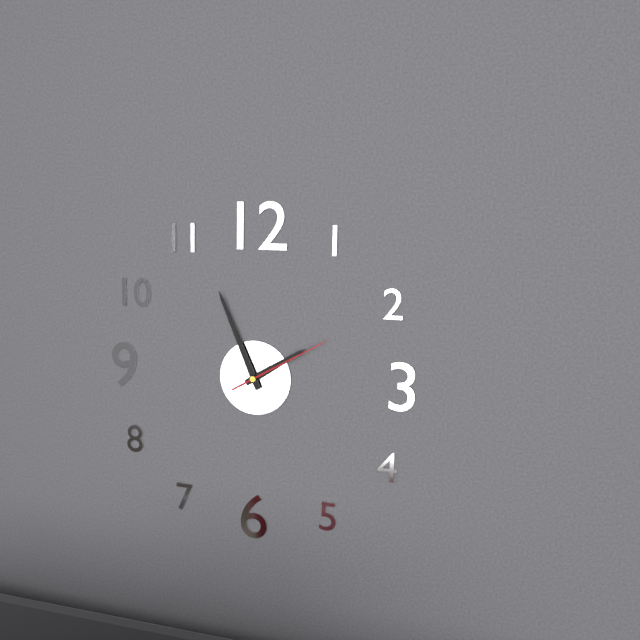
1,56,10
